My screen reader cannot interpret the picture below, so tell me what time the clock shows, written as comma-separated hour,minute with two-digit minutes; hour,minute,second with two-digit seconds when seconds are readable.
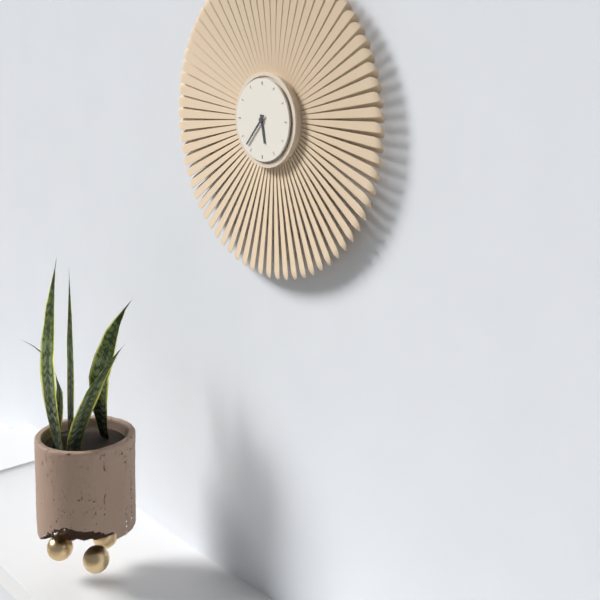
5,37
